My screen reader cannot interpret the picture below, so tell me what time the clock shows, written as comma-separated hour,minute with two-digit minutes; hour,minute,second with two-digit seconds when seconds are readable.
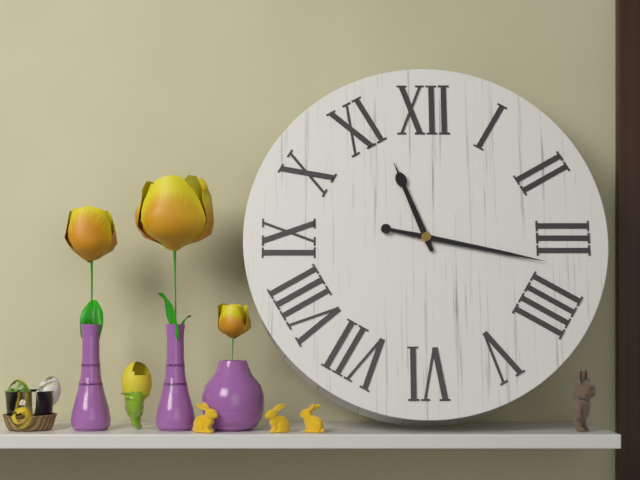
11,17
